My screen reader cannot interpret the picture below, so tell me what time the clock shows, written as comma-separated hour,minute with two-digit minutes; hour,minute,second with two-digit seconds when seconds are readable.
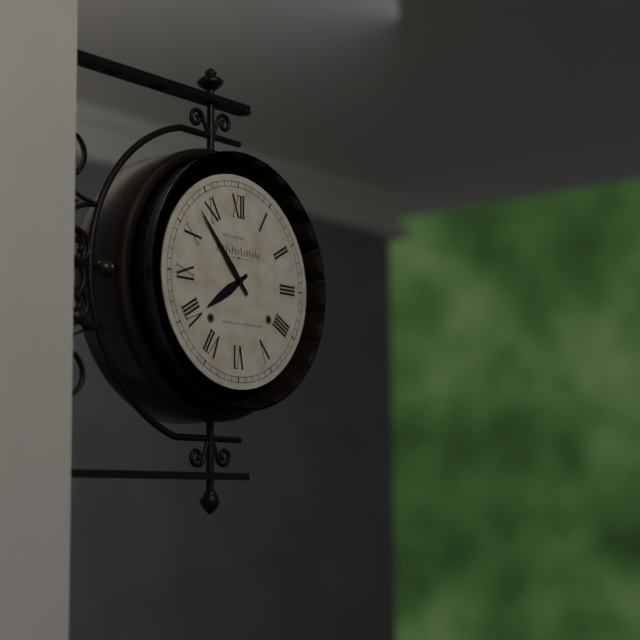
7,53
